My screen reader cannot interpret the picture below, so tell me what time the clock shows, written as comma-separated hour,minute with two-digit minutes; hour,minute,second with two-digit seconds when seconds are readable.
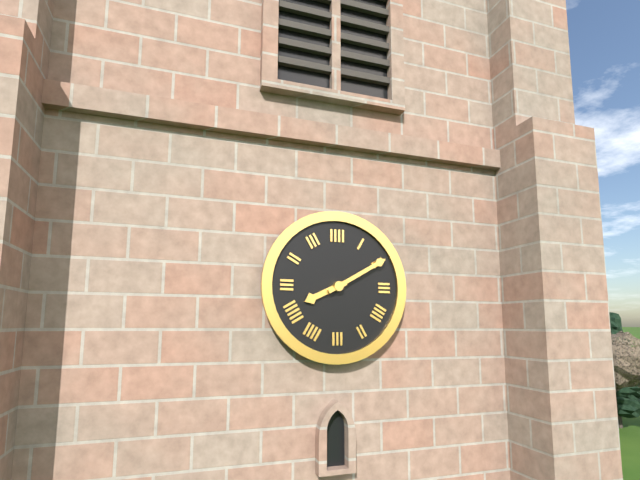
8,10
